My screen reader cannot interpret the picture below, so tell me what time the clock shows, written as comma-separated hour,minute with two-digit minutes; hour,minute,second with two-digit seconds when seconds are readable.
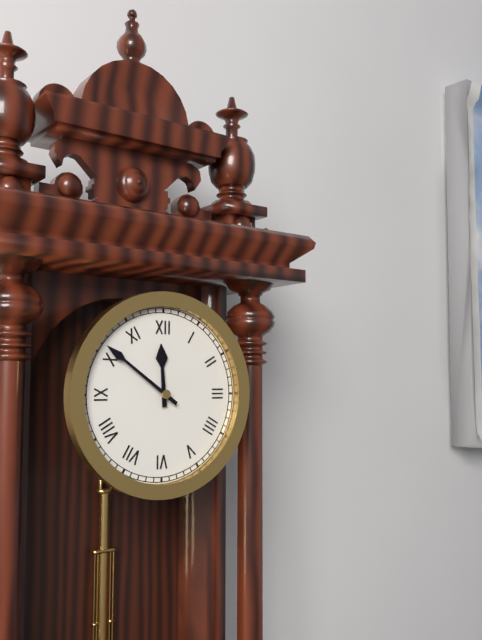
11,51
